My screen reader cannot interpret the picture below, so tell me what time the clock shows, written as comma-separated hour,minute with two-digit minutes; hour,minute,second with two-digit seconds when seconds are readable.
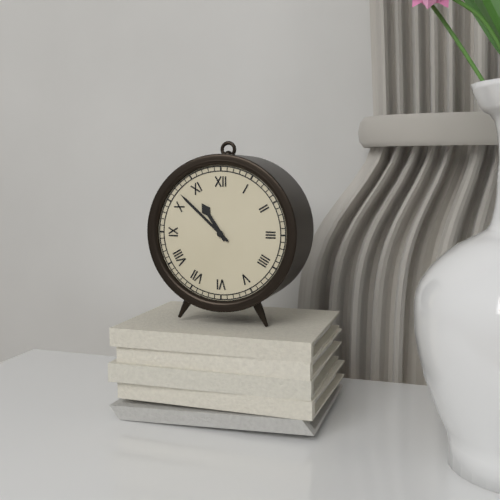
10,52
